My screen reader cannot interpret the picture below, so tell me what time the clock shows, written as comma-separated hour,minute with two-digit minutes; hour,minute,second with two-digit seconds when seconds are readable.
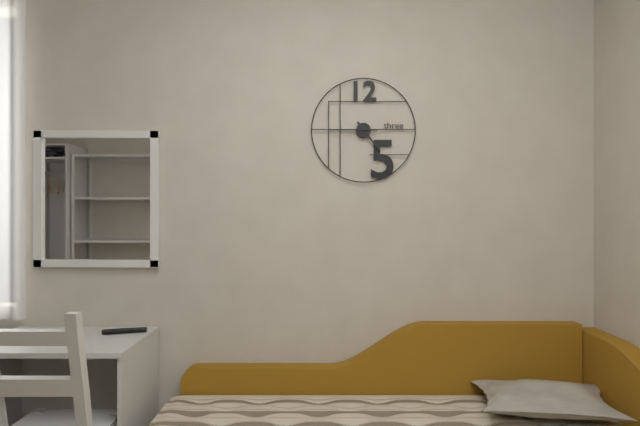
4,45
